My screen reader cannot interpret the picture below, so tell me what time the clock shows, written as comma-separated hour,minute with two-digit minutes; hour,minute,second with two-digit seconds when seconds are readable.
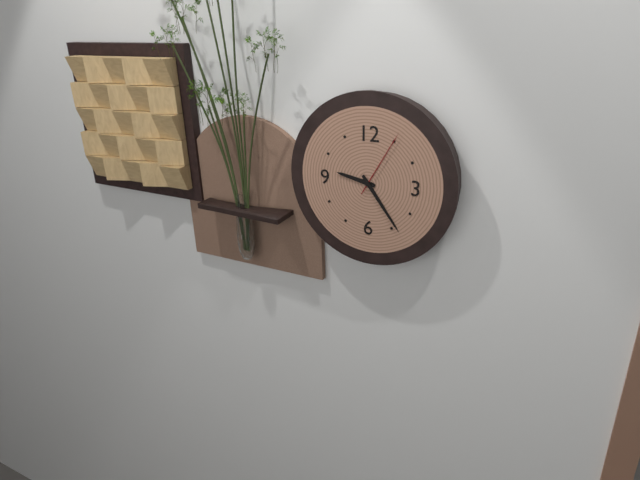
9,24,05
